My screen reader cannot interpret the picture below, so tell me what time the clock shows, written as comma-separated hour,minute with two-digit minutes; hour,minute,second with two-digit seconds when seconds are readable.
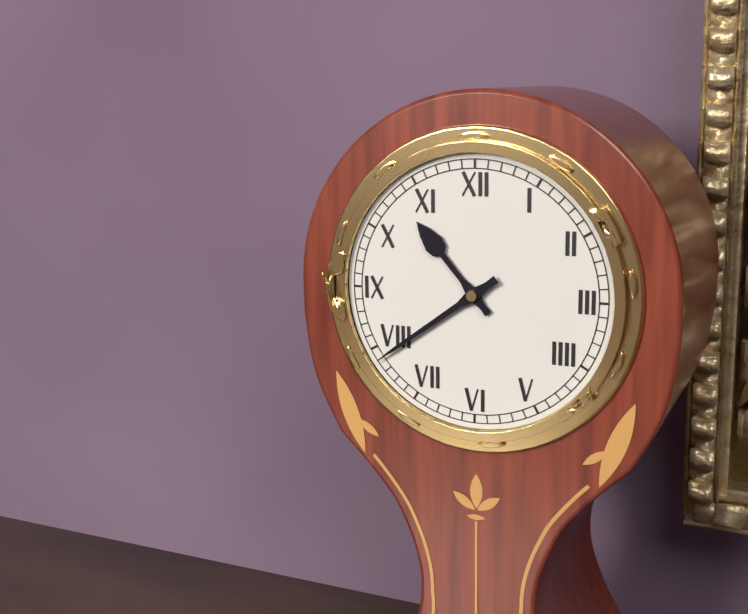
10,39
